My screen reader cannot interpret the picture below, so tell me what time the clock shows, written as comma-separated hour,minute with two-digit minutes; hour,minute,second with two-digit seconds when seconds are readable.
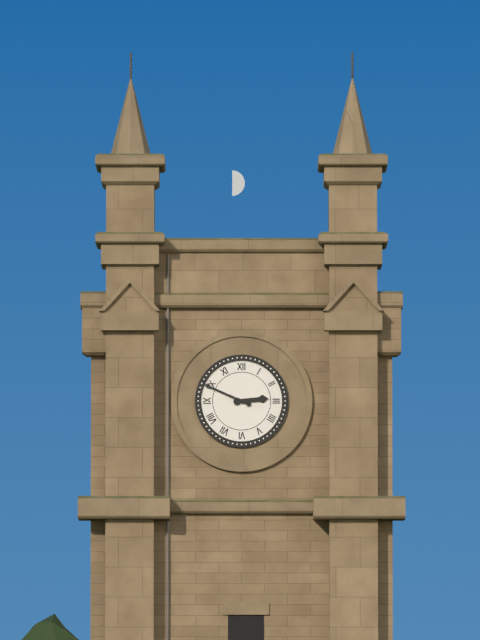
2,49
